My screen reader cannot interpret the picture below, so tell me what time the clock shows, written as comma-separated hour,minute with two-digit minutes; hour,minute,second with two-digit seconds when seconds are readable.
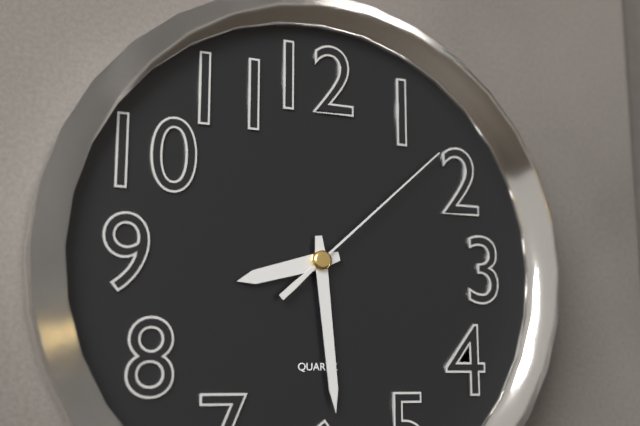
8,29,08
